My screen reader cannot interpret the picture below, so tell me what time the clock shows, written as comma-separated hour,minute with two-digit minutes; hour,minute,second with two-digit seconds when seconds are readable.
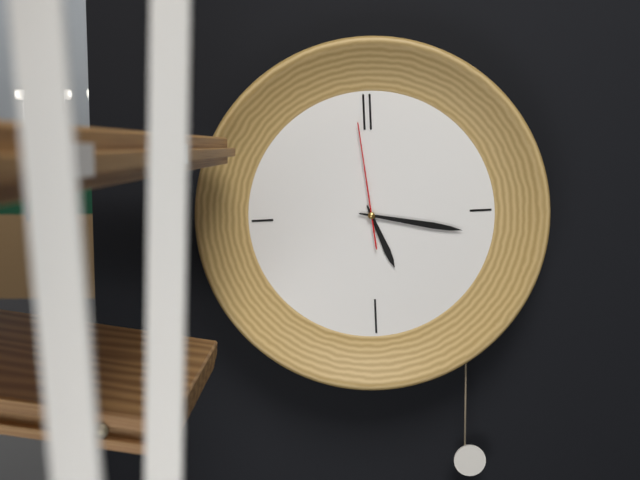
5,17,59
